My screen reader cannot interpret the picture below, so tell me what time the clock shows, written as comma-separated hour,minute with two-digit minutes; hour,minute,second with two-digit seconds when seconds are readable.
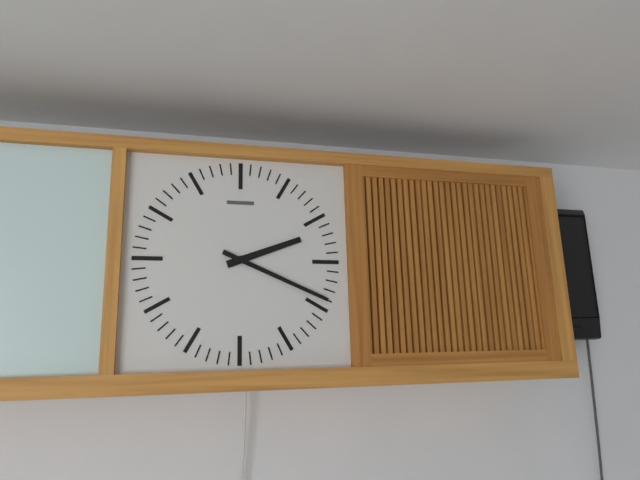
2,19
